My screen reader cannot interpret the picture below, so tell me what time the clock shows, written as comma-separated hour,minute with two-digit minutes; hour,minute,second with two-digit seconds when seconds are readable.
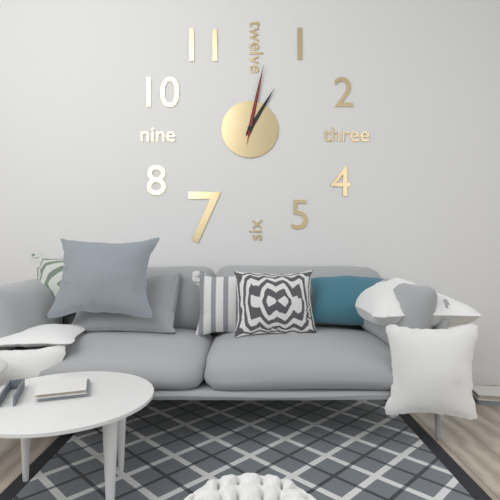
1,02,02
